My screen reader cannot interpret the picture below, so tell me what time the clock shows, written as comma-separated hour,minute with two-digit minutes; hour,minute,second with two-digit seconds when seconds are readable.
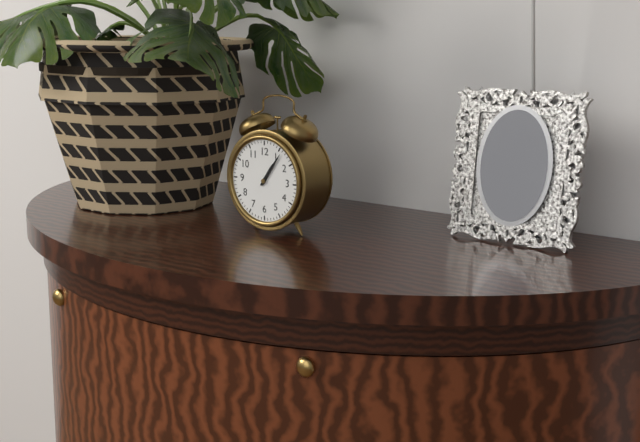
1,06
